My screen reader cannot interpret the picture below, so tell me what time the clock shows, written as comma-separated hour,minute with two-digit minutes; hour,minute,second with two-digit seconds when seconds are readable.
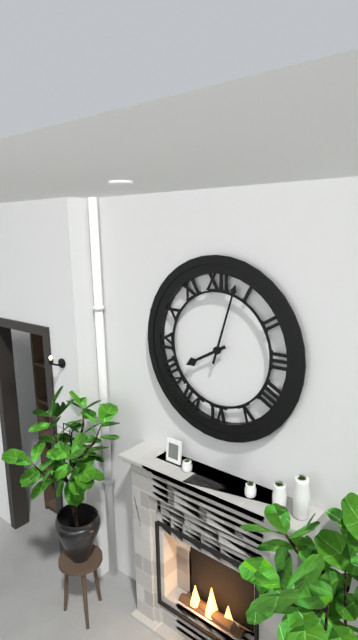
8,03
